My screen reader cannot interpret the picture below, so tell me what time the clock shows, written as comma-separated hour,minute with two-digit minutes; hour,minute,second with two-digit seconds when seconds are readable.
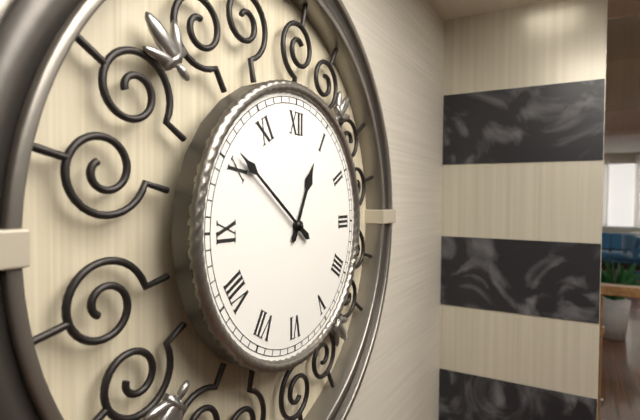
12,51
